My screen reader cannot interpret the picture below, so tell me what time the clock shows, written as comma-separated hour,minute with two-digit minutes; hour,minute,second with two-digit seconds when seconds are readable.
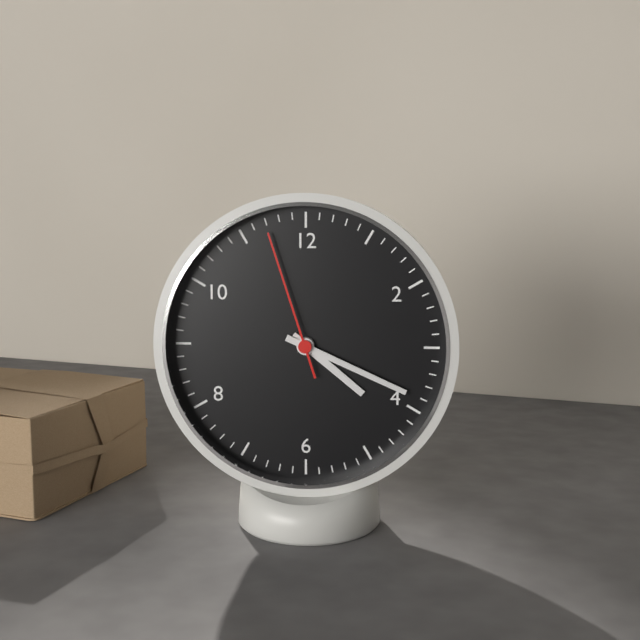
4,19,57
